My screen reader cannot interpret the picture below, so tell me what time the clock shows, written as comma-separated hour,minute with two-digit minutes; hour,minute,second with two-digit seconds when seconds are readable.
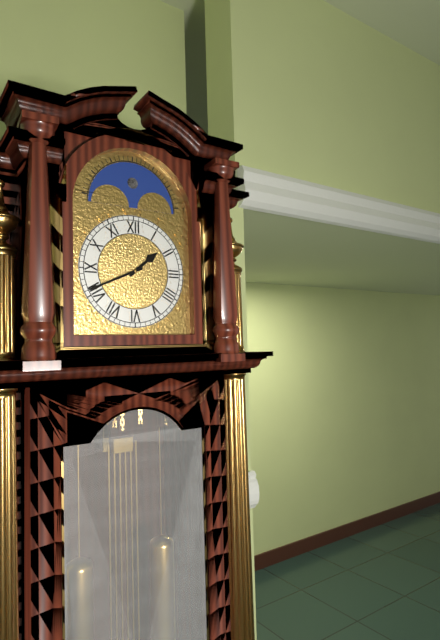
1,41
